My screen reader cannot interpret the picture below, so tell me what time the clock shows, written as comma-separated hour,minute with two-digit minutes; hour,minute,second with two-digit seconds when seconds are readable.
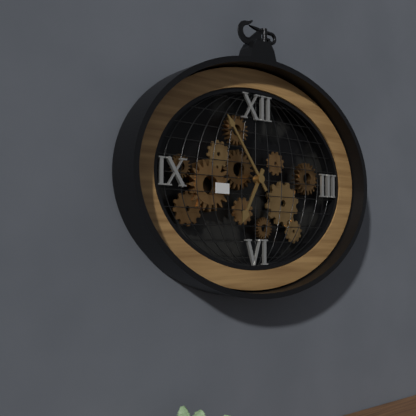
6,54
